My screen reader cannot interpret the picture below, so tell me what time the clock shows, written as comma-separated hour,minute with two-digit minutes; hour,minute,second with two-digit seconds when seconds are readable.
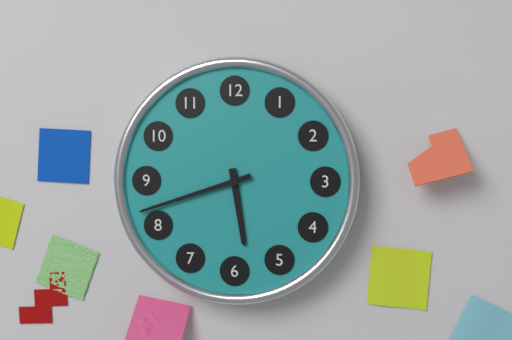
5,42
